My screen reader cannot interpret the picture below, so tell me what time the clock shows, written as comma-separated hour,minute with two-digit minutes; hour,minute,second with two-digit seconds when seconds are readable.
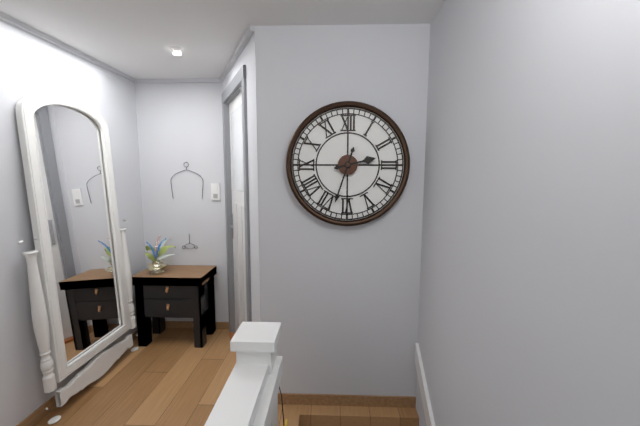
2,33
